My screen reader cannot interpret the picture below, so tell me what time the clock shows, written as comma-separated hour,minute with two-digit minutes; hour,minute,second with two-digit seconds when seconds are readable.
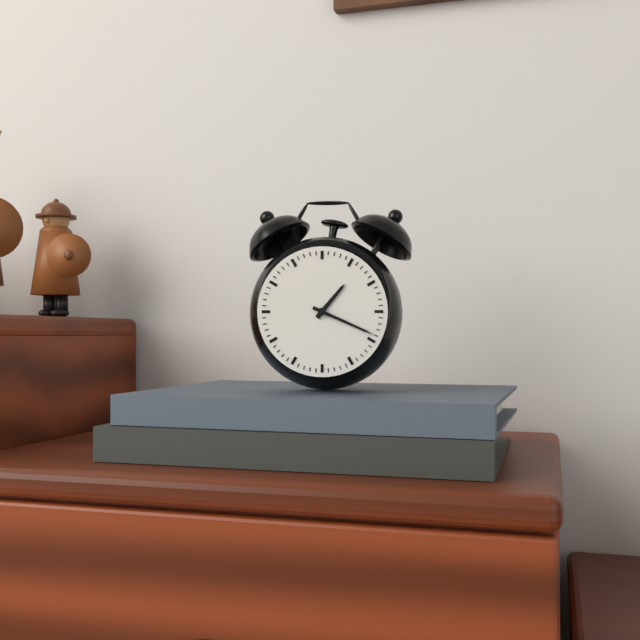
1,19
